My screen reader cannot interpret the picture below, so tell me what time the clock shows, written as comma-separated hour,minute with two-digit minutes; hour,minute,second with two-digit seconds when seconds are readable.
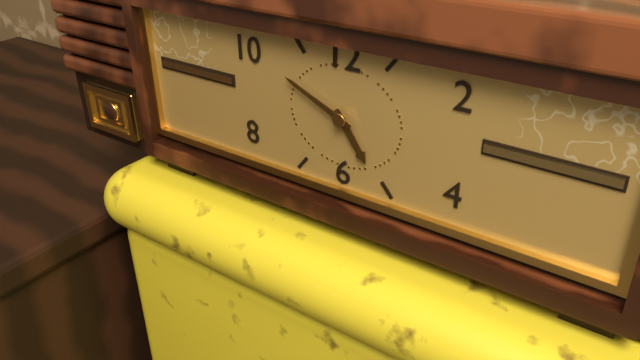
4,49
